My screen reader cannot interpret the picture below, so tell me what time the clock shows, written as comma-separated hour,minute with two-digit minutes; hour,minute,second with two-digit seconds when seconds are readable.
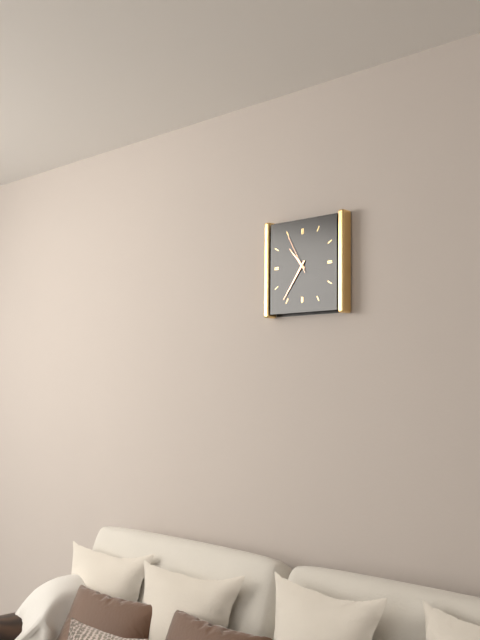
10,36
